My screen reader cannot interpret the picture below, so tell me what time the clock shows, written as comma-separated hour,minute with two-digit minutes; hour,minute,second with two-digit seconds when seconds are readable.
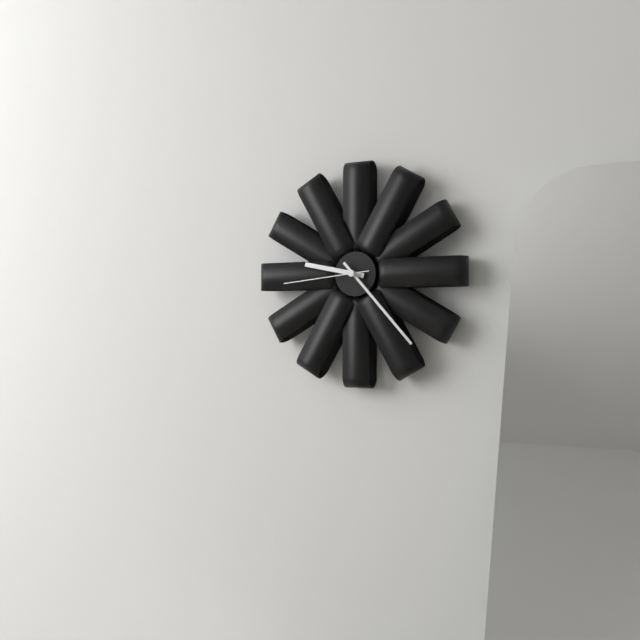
9,23,44
